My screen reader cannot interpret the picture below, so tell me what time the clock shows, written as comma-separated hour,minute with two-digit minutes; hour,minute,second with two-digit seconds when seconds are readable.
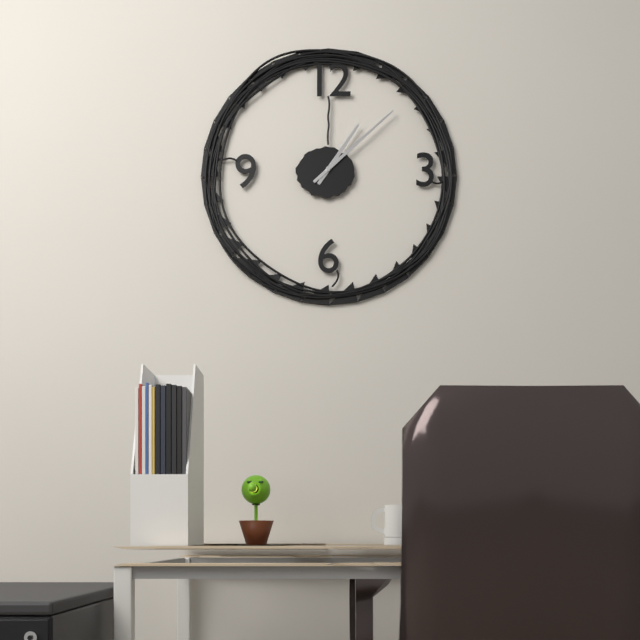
1,08
